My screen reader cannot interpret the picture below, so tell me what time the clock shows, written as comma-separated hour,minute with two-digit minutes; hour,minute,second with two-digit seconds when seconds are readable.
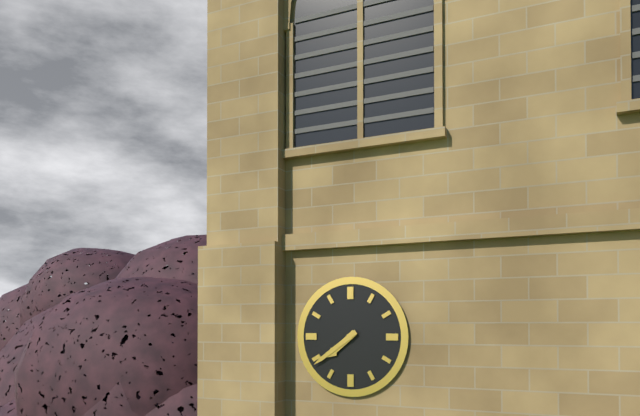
7,39
